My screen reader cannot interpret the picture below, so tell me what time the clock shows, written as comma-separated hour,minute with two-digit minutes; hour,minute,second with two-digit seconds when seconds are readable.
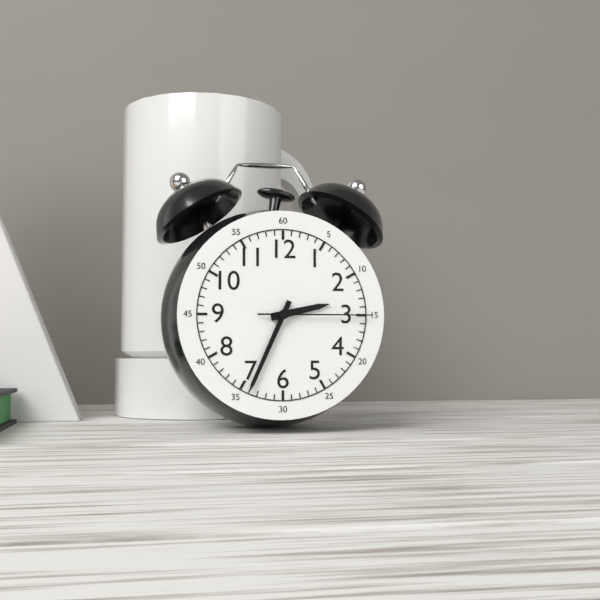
2,34,15
